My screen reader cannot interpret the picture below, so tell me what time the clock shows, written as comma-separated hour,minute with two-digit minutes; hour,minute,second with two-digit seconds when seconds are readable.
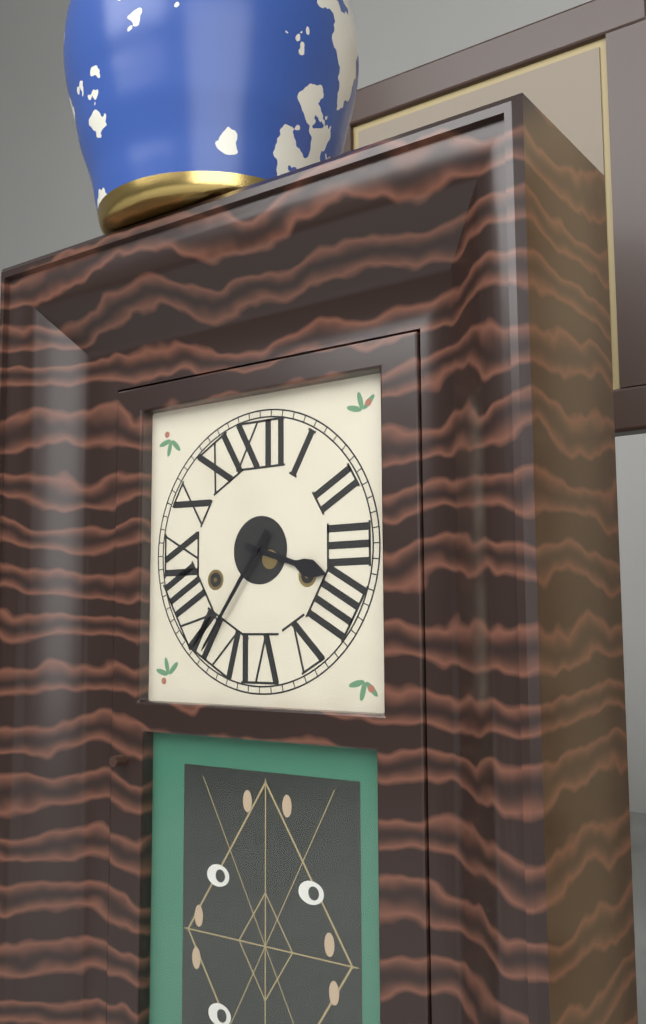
3,36
